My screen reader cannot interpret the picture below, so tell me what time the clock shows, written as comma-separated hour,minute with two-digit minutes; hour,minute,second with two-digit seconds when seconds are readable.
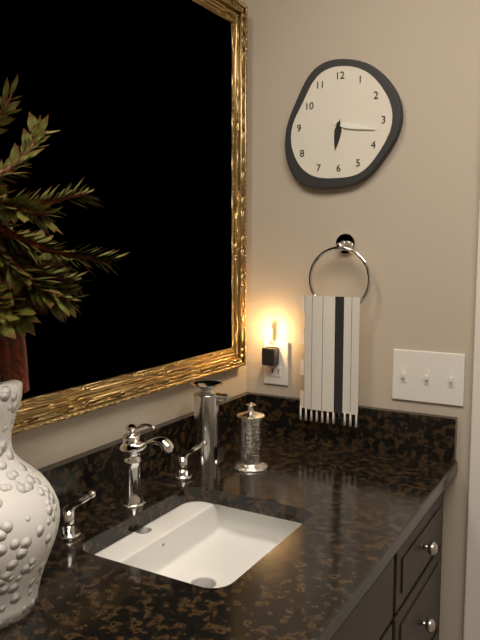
6,17
